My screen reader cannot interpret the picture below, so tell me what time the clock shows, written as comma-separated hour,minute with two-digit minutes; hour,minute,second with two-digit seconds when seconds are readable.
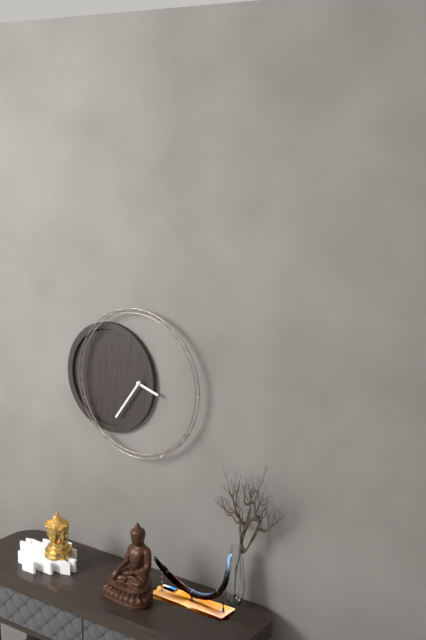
3,36
